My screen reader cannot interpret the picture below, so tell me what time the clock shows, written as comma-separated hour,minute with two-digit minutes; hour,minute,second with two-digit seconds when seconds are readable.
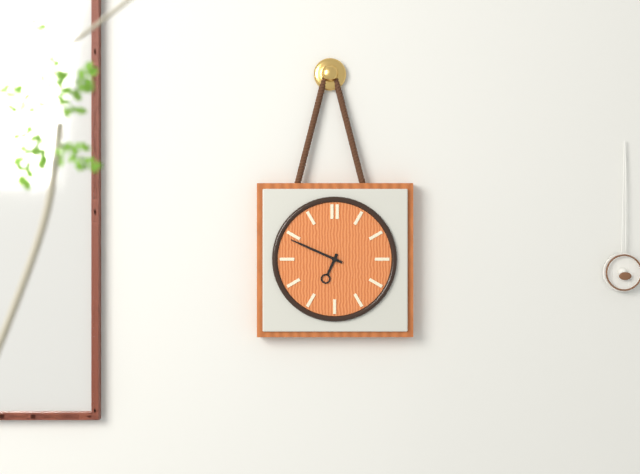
6,49
